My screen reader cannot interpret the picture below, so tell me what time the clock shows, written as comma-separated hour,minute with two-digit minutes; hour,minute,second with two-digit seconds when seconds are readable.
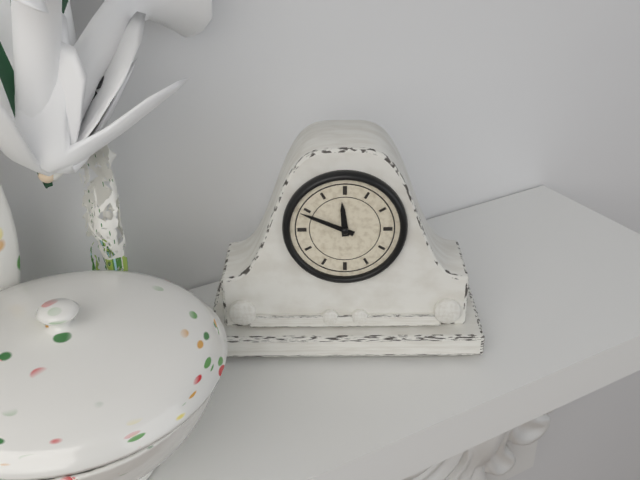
11,49
